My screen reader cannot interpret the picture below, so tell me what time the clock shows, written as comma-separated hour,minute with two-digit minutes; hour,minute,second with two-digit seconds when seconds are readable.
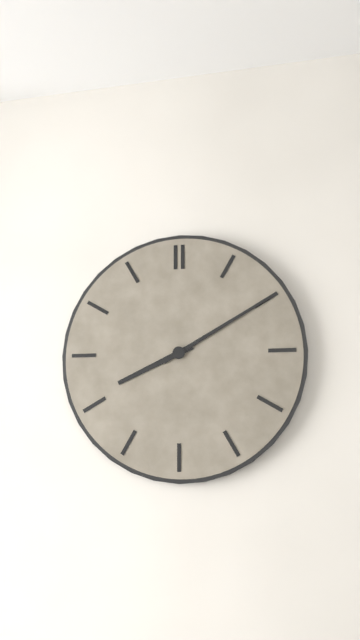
8,10
